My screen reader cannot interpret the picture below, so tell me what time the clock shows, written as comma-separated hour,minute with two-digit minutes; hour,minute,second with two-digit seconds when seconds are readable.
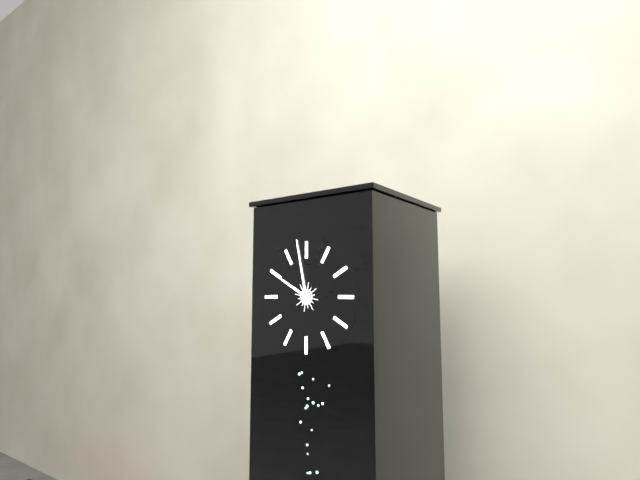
9,58
